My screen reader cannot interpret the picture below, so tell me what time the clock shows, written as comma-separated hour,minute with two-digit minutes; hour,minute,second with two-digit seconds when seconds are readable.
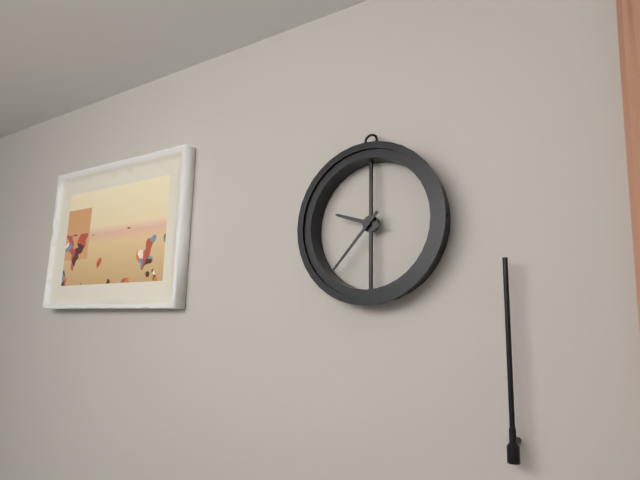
9,37
